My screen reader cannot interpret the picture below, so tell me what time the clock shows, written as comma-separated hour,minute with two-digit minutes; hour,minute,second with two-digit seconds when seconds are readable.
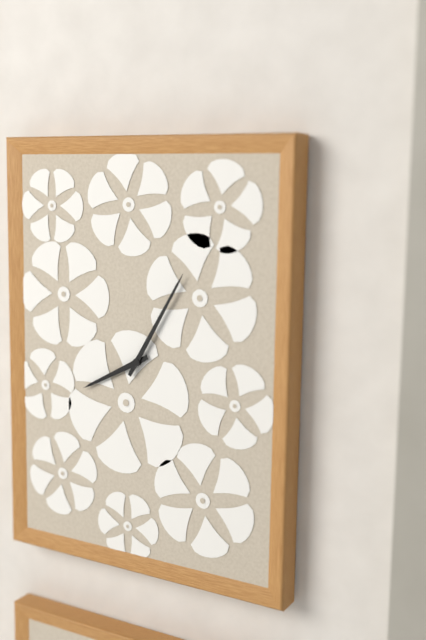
8,05
